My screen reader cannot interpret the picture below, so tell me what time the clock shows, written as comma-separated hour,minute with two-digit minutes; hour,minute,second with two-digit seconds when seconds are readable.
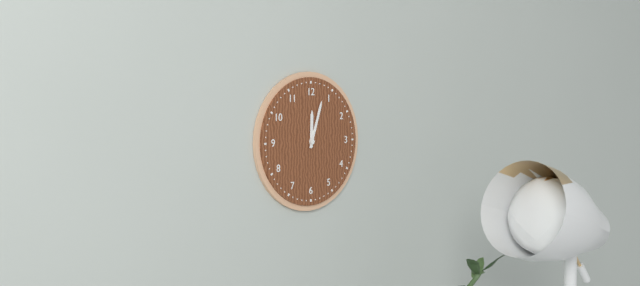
12,03
